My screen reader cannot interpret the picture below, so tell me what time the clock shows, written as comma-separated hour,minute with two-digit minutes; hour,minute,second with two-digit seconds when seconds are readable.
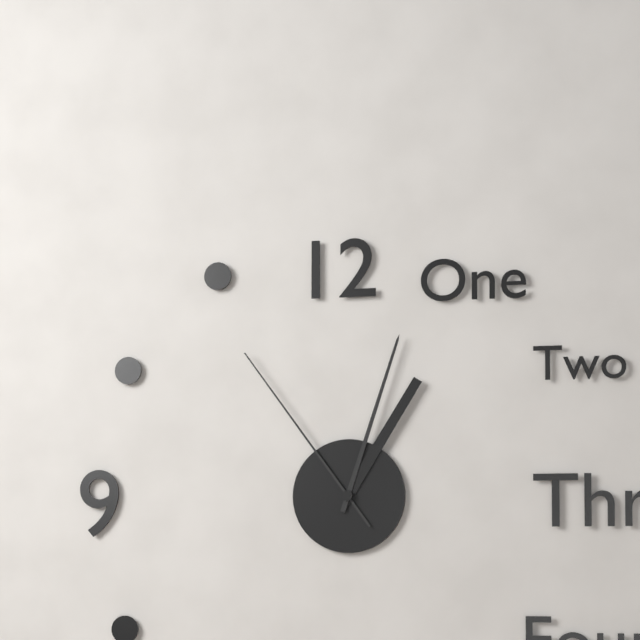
1,03,54
